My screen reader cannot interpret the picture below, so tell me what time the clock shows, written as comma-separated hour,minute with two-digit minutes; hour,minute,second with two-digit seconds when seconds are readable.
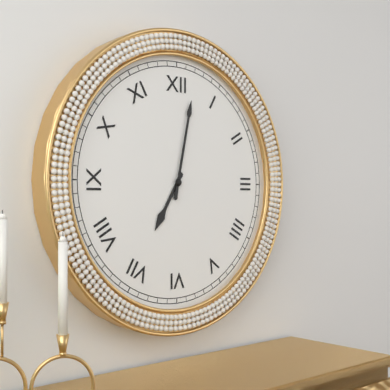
7,02
